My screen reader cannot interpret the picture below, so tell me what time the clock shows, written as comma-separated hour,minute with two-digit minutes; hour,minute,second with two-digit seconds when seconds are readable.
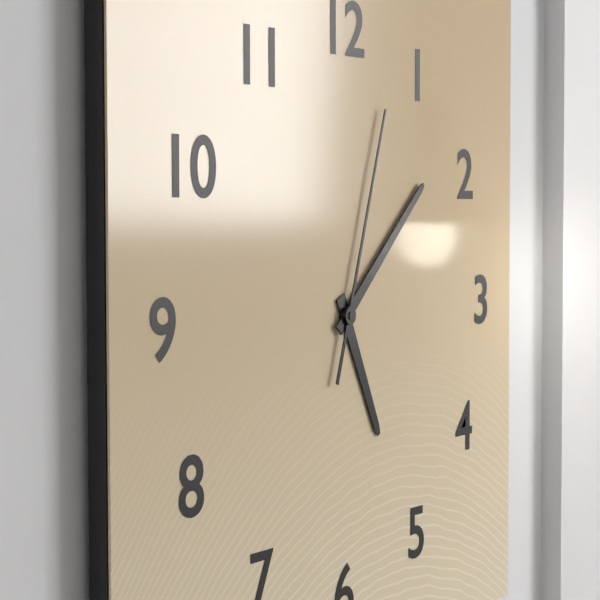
5,08,03
